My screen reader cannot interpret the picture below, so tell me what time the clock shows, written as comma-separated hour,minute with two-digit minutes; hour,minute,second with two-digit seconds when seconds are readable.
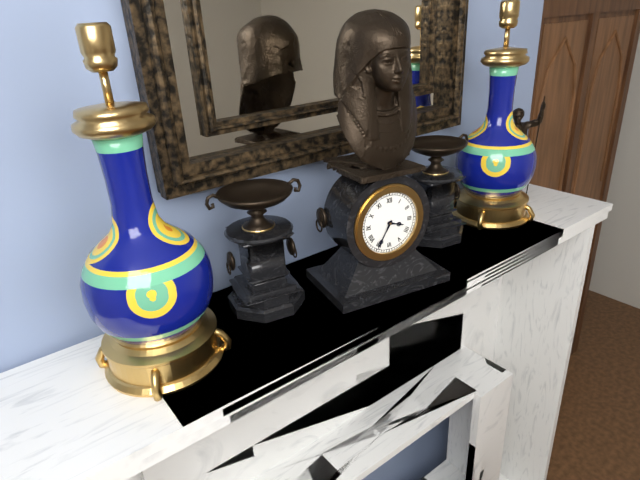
3,35
